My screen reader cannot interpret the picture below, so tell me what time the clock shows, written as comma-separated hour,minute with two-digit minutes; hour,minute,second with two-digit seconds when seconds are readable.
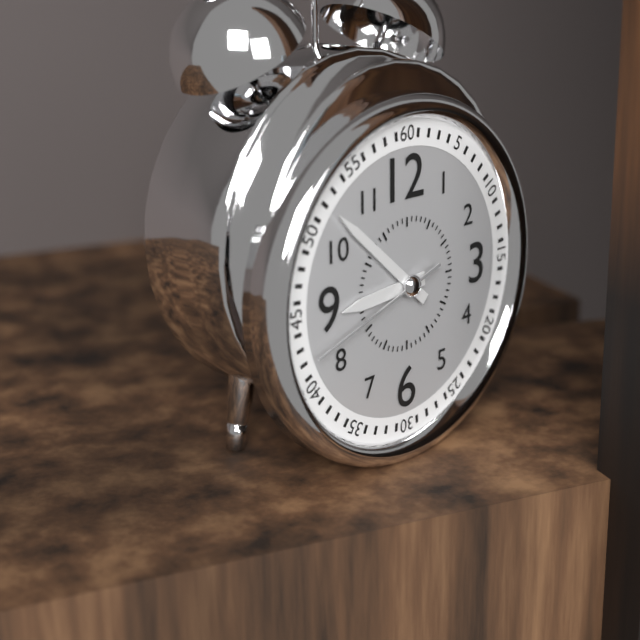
8,52,42
